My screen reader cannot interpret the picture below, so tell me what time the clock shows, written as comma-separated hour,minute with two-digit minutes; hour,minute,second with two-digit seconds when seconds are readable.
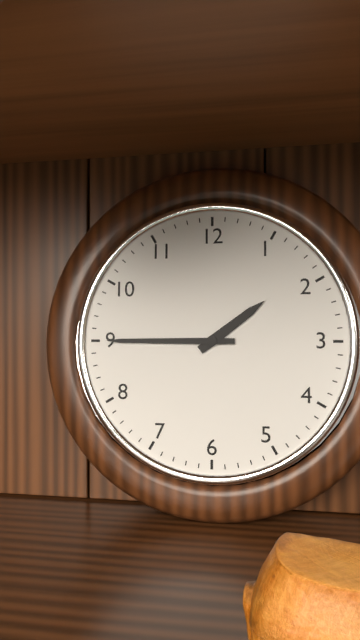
1,45
